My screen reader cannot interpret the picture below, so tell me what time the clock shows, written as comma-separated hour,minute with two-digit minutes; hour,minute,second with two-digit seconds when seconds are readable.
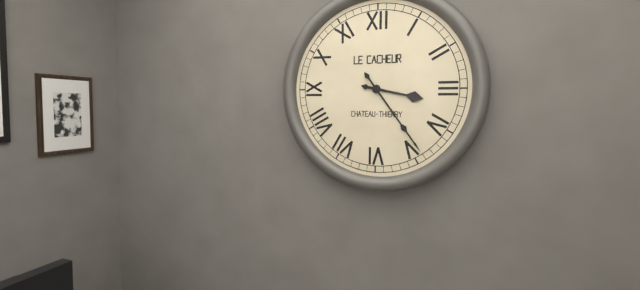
3,24
